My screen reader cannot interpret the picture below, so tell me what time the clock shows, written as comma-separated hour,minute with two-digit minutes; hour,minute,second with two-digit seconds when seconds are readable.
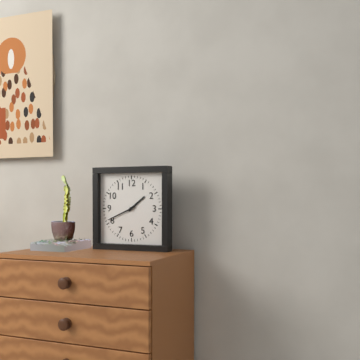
1,41
